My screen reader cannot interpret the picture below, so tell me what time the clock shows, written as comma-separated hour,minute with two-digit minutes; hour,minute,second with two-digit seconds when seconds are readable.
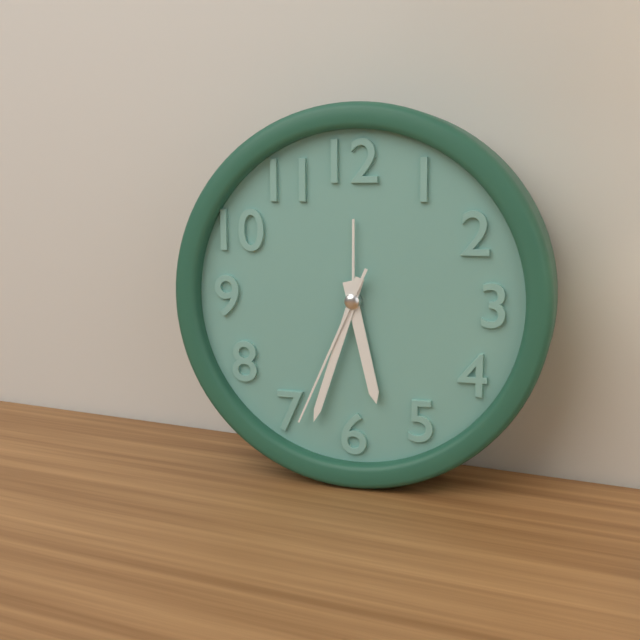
5,33,34
